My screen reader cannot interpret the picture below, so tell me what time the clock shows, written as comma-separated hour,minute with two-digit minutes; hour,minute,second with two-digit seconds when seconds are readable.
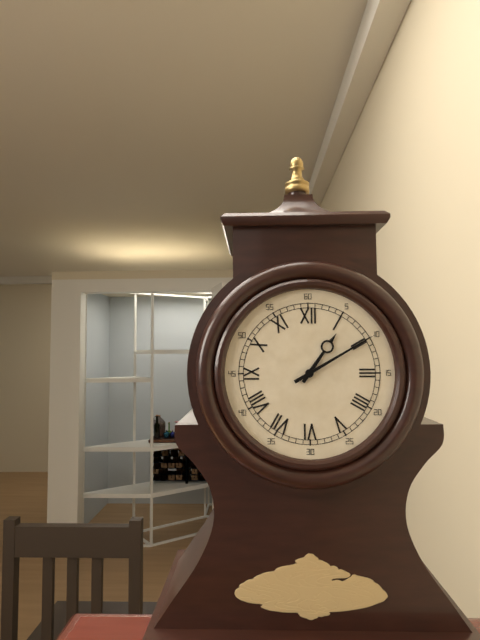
1,10
